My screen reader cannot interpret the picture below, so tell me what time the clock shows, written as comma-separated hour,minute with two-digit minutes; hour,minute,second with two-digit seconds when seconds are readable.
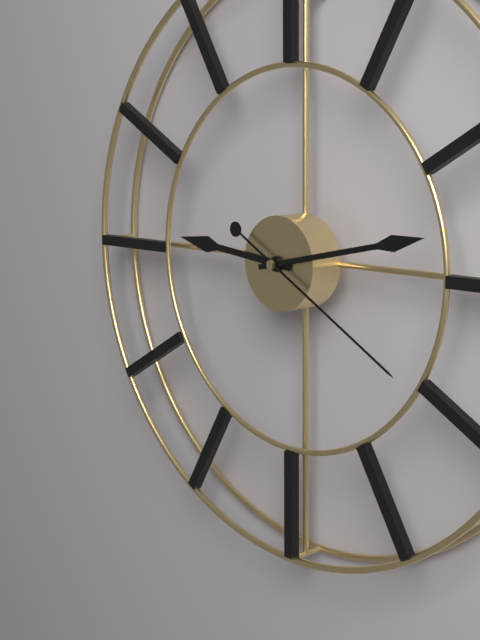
9,13,20
